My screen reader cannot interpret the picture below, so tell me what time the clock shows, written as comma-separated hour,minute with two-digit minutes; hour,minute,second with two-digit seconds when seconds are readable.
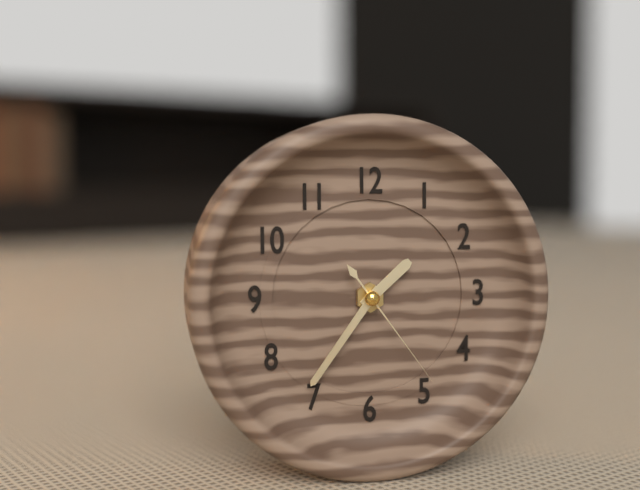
1,36,24
